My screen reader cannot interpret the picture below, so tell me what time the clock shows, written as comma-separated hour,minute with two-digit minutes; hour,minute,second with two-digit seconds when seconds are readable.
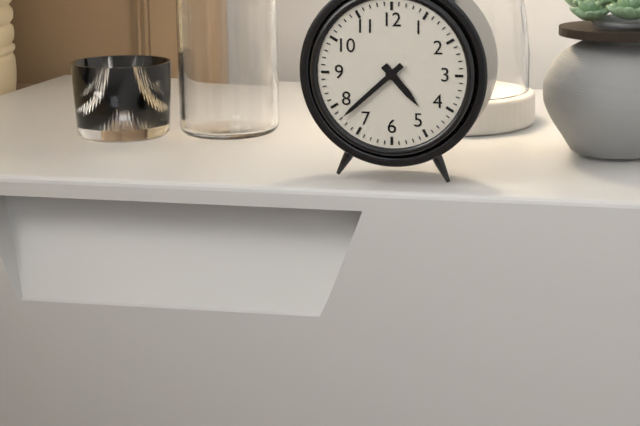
4,38
